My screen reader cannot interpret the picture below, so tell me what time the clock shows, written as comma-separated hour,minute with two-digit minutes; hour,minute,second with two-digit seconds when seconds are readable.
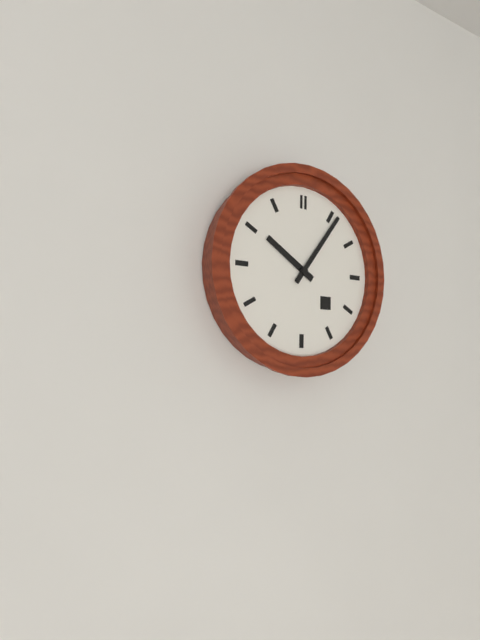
10,06
